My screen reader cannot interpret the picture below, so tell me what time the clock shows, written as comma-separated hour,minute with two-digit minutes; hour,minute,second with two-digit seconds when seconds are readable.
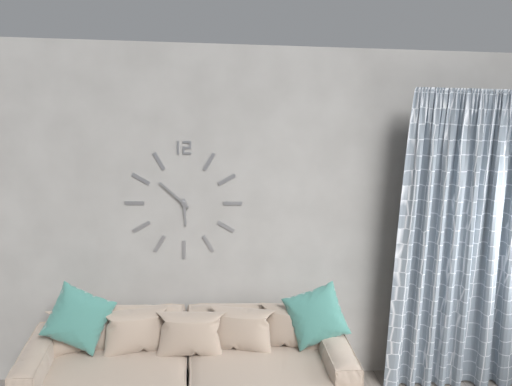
5,52
